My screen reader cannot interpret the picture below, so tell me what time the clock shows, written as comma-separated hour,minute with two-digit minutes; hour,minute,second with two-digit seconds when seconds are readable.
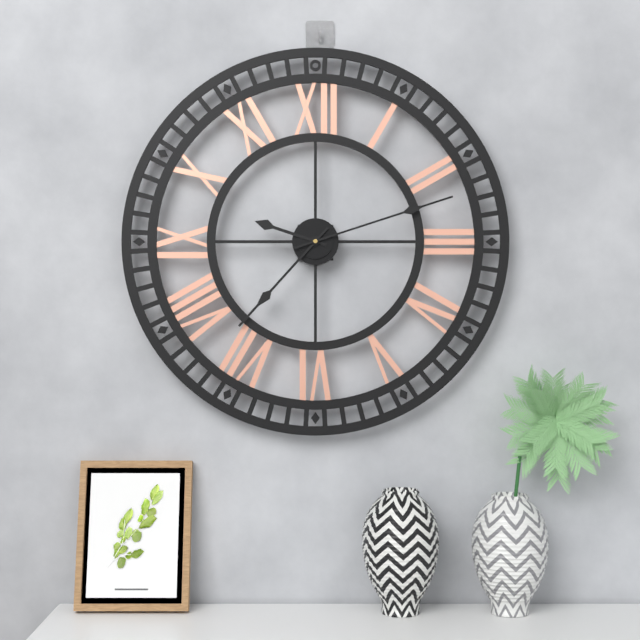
9,37,12
